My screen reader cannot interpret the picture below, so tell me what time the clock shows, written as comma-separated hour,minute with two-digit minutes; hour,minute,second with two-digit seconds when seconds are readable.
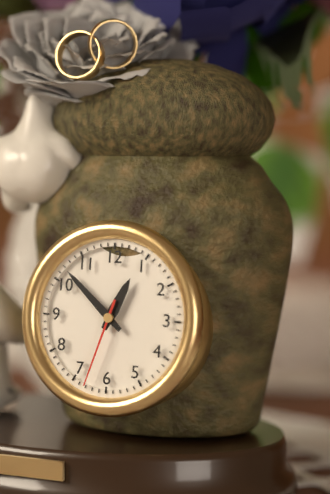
12,52,33
